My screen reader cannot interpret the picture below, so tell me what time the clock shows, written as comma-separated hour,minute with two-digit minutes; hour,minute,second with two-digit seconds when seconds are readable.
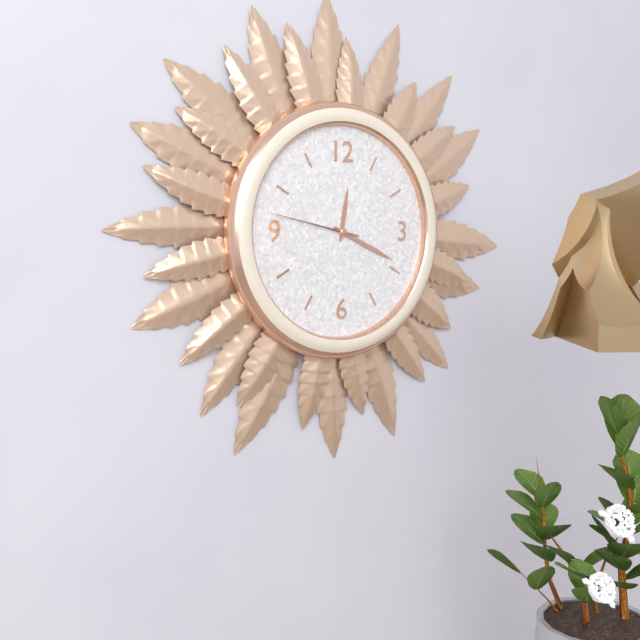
12,19,47
